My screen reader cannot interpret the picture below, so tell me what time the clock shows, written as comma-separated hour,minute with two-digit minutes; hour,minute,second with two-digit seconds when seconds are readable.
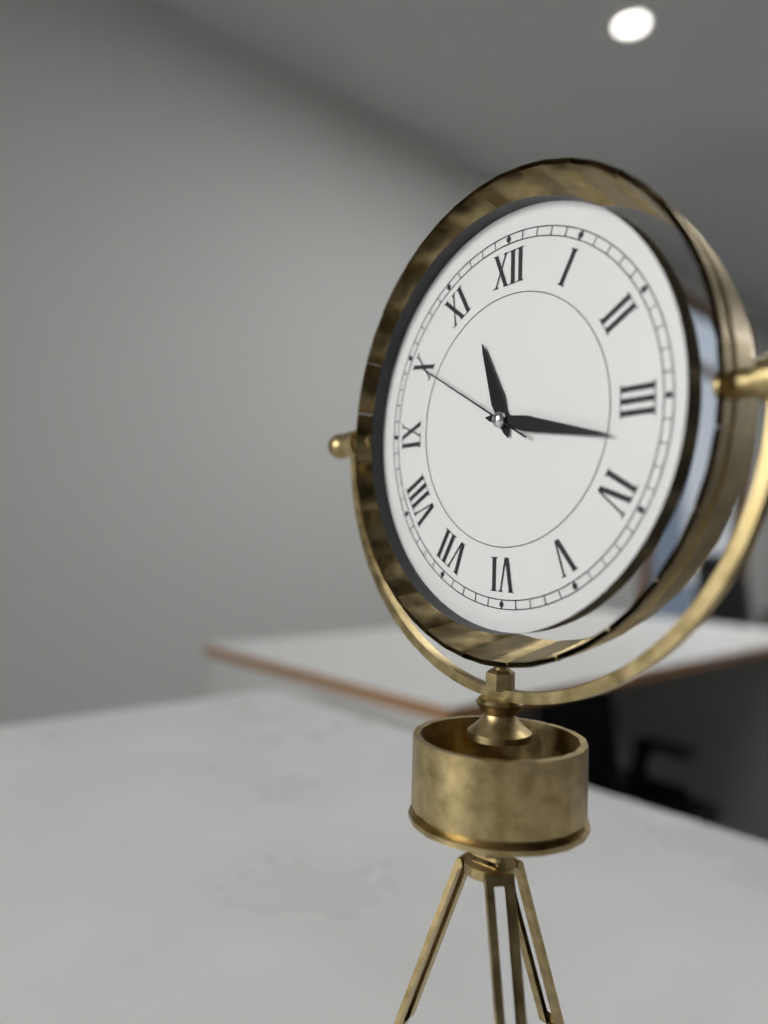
11,17,50
